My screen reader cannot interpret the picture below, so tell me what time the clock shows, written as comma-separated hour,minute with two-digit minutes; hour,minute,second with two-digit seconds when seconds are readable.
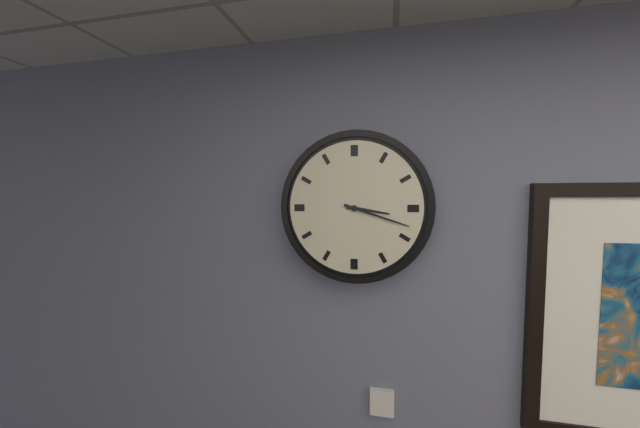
3,18
